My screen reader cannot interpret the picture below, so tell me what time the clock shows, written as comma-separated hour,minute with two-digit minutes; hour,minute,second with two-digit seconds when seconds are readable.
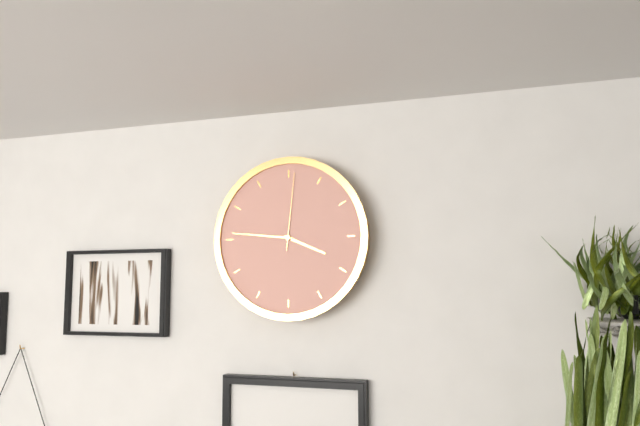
3,46,01
